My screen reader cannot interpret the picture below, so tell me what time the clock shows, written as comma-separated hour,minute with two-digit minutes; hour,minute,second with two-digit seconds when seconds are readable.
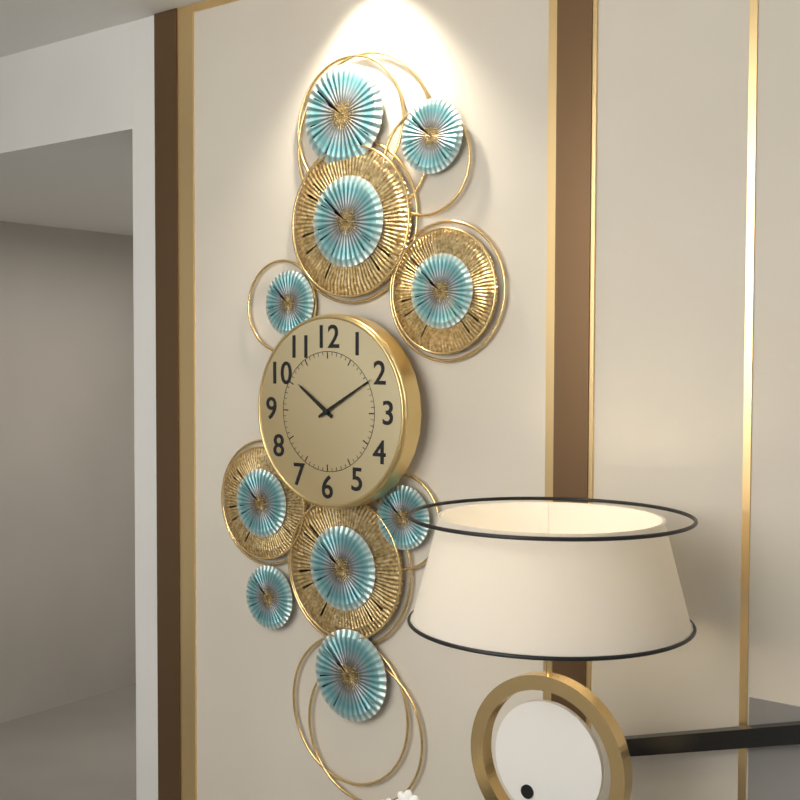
10,10
